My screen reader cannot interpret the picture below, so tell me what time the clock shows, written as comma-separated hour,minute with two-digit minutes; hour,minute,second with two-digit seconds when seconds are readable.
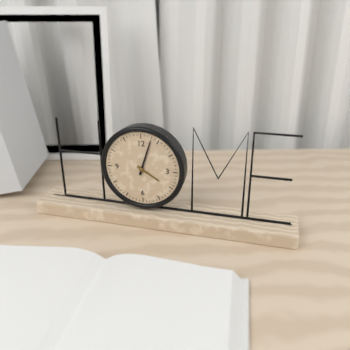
4,03
